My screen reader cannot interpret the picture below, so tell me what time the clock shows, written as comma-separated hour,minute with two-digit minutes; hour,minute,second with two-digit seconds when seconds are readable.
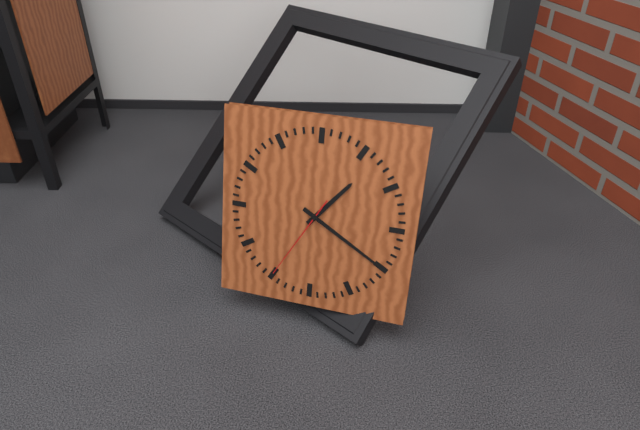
1,20,35
